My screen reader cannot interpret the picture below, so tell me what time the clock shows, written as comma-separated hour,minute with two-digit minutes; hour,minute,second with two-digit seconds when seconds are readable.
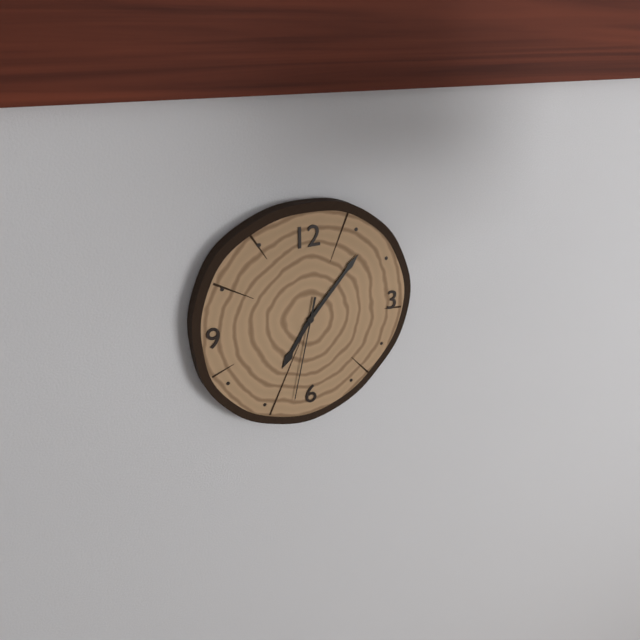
7,07,32
